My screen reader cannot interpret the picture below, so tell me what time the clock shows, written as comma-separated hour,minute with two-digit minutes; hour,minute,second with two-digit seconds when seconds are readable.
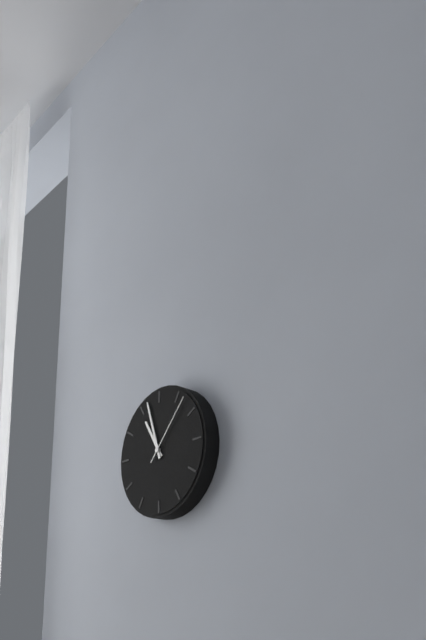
10,57,07
